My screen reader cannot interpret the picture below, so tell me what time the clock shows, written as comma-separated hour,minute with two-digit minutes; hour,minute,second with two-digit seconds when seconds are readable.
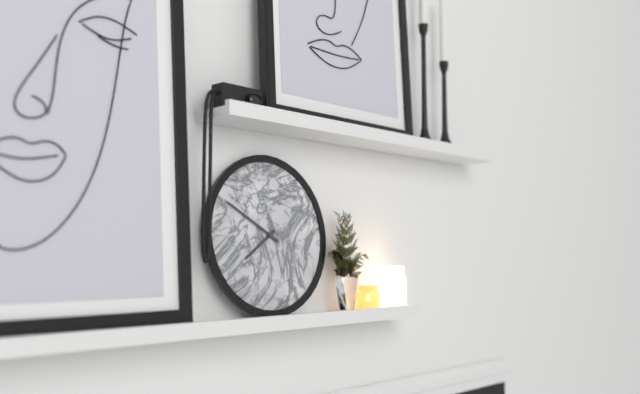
7,50
